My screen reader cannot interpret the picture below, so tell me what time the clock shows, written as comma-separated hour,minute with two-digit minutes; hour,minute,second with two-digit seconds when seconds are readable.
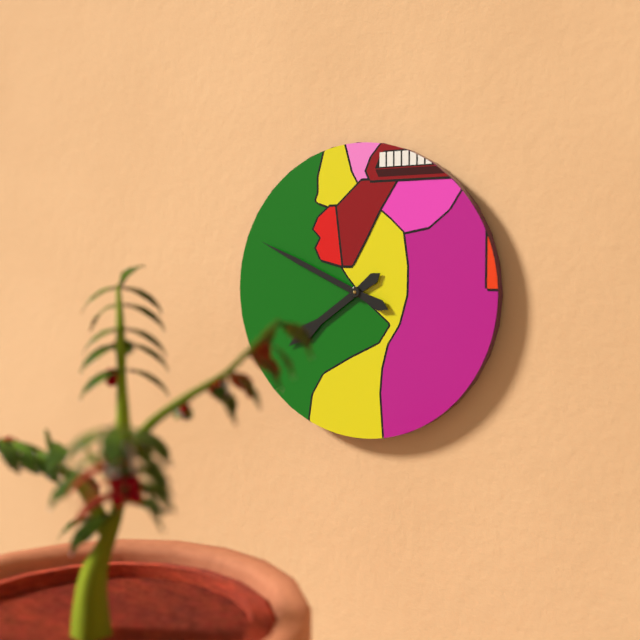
7,49
